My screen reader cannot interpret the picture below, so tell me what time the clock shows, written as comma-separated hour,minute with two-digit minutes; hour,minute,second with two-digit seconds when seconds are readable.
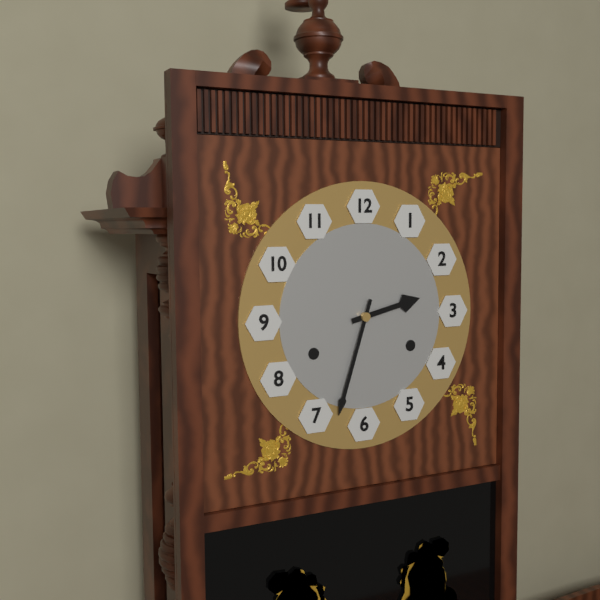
2,33
